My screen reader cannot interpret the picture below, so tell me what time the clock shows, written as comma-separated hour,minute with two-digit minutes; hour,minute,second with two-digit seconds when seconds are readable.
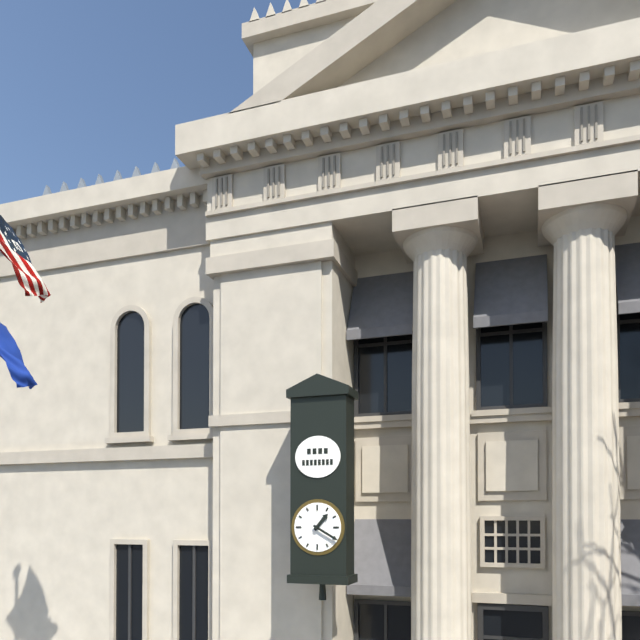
1,20
